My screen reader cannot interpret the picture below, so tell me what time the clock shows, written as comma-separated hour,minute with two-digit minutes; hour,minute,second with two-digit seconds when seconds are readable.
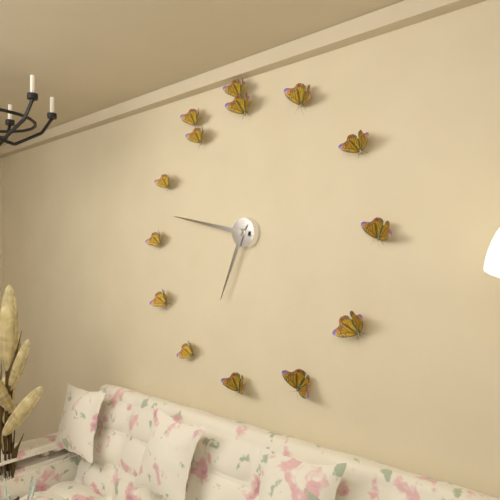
6,47
